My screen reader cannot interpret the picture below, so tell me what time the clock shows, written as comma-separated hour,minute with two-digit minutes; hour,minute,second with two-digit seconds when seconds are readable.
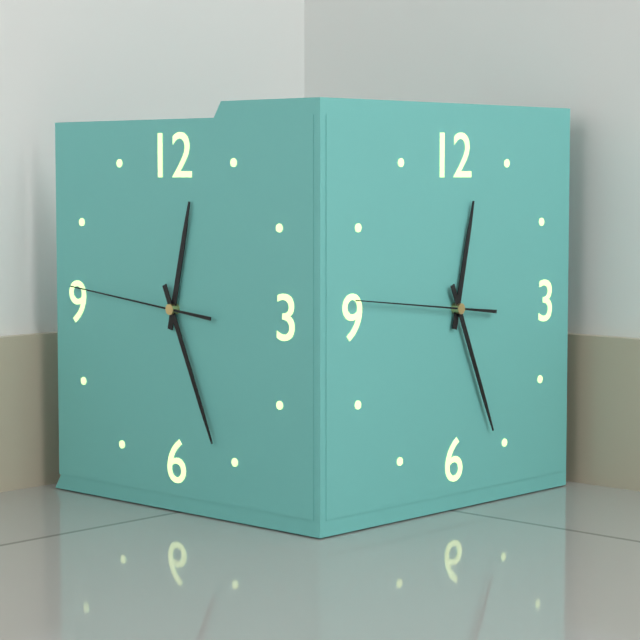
12,26,46
